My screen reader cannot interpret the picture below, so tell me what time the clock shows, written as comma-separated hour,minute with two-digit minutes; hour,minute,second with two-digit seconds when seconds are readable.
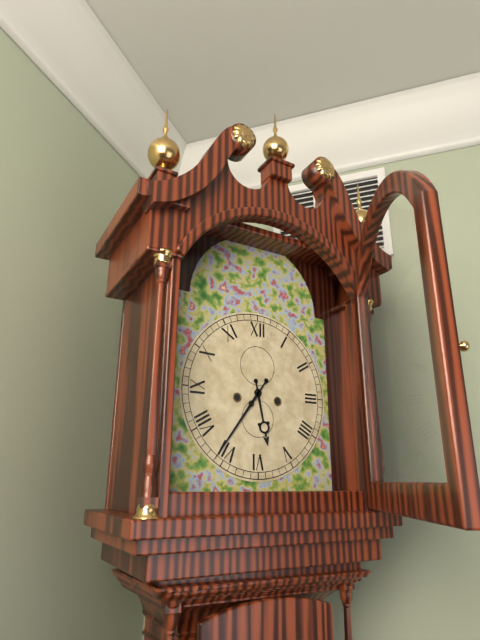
5,36
